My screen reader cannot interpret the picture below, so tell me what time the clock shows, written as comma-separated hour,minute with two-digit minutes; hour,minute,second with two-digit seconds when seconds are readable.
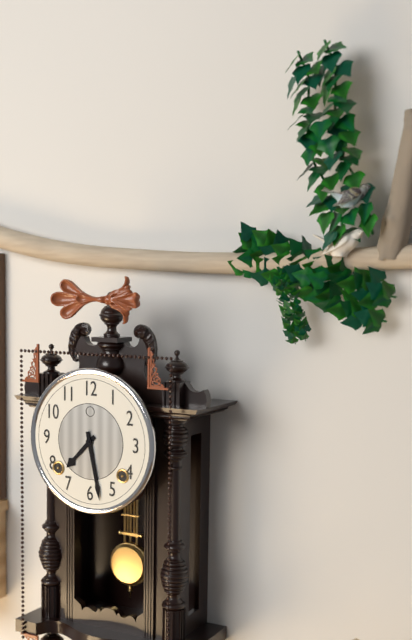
7,28
